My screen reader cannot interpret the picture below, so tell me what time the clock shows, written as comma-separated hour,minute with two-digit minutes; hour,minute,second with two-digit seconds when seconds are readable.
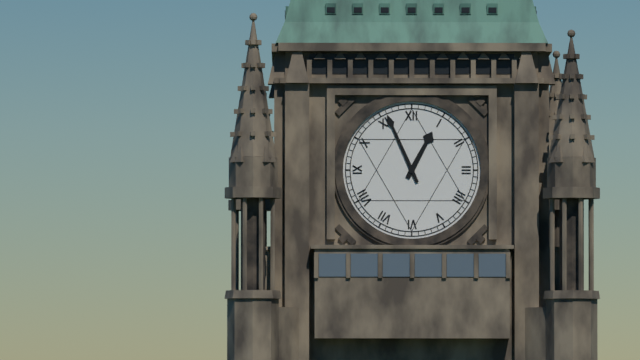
12,56
